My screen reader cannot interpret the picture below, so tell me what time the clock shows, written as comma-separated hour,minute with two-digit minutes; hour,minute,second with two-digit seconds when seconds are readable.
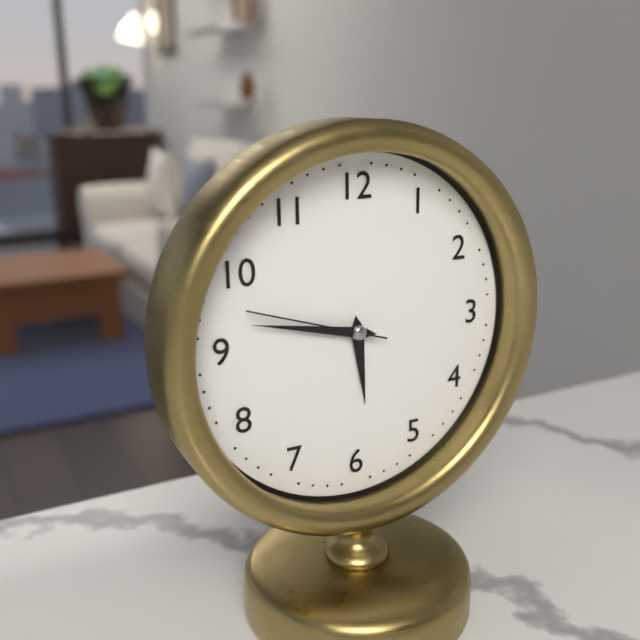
5,47,48
